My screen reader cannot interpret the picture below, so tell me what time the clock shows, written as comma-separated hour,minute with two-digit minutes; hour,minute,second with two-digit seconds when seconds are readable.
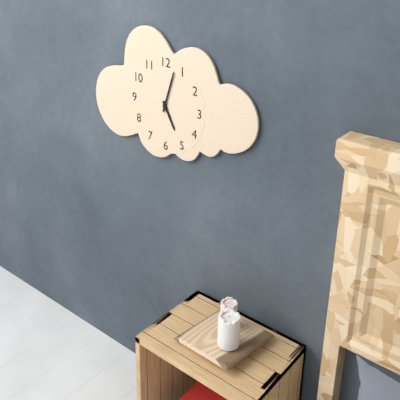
5,03
